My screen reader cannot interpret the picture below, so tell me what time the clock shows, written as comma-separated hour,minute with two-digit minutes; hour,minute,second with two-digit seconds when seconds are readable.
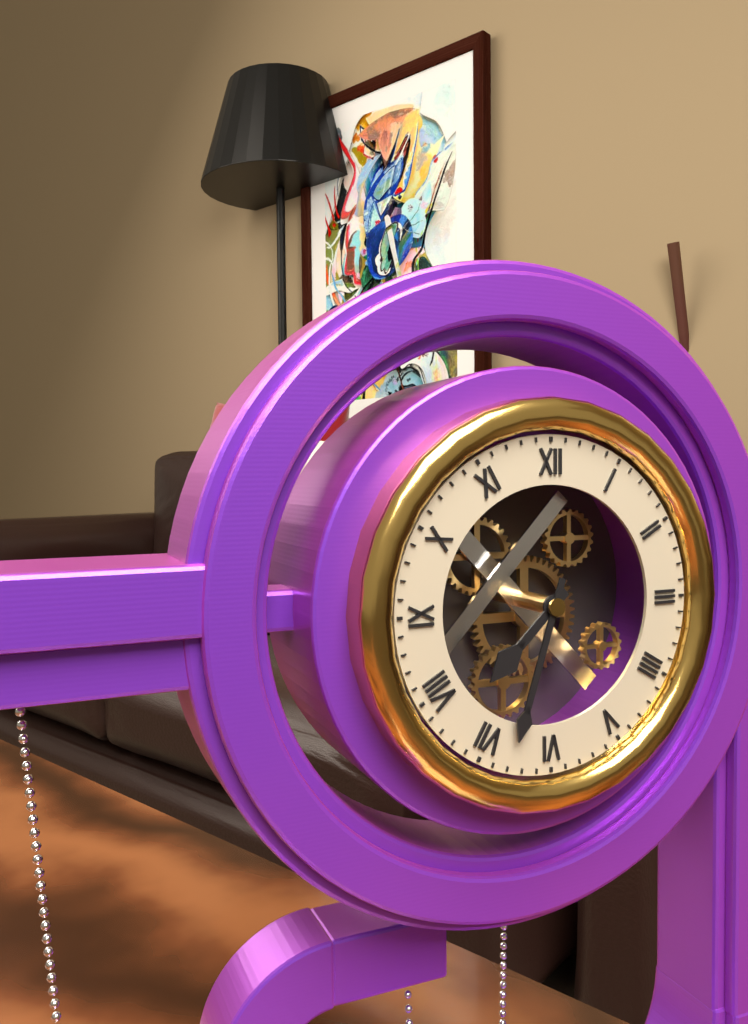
7,33
